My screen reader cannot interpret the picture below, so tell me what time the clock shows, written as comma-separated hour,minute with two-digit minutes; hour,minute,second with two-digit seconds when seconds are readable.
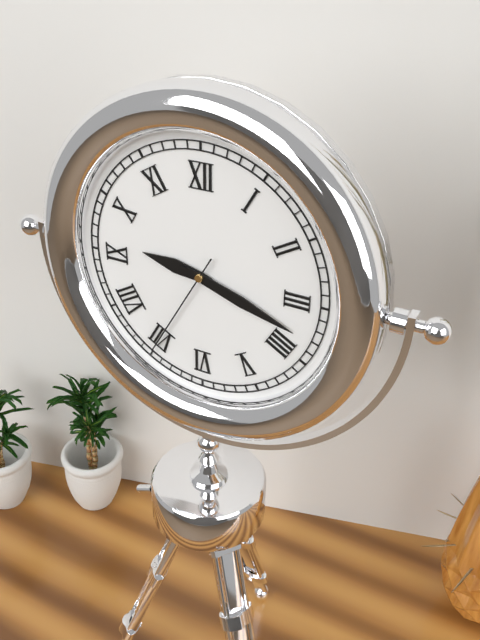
9,18,35
